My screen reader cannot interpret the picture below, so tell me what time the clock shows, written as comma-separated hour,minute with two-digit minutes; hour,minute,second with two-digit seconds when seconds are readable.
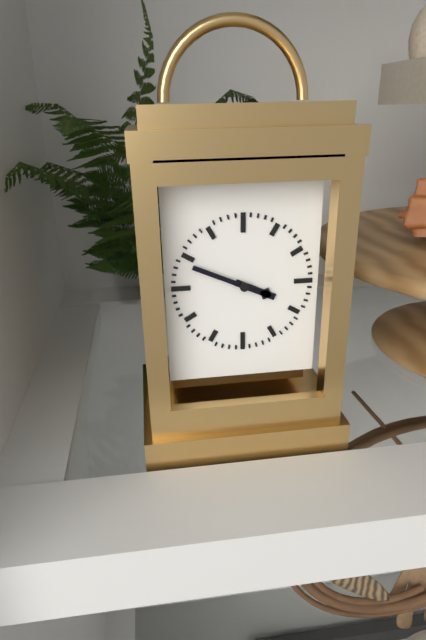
3,49
